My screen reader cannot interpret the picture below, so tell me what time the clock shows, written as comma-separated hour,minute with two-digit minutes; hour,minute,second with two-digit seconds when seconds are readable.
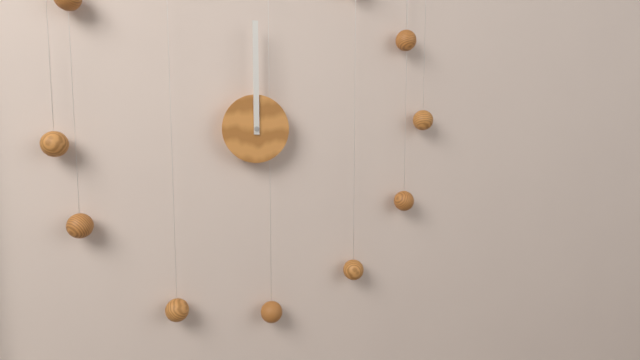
12,00
